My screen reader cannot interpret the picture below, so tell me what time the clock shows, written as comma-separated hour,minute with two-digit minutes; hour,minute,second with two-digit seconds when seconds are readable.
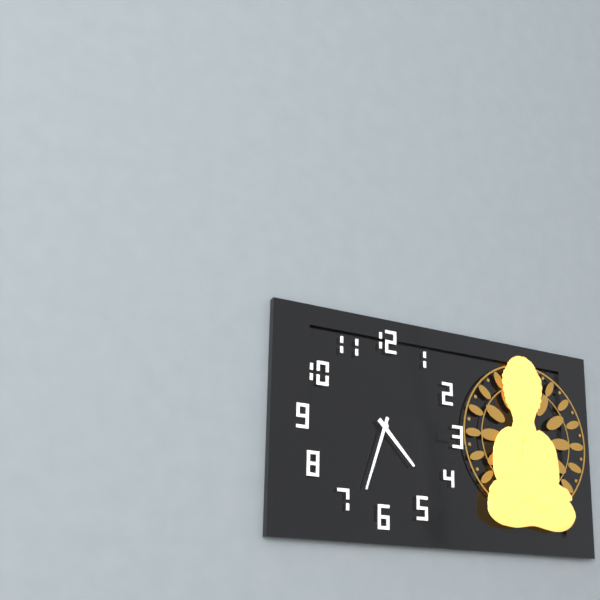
4,33
